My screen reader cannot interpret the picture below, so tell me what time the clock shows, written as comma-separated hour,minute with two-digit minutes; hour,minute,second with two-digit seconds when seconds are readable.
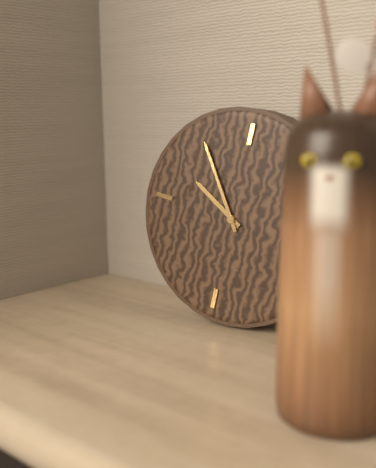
9,54
